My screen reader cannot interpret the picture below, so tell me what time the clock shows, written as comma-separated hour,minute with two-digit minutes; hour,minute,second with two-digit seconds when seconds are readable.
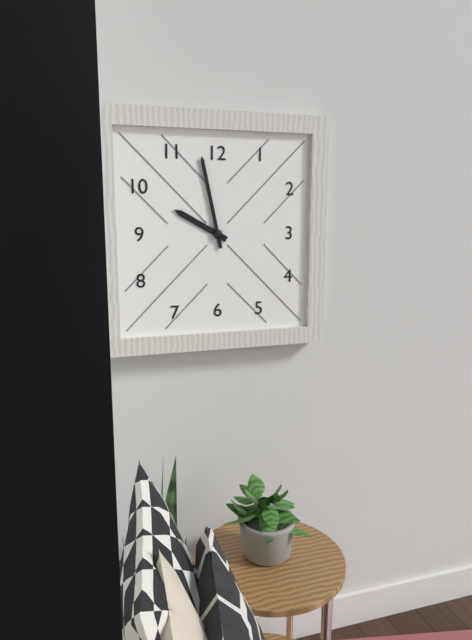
9,58
